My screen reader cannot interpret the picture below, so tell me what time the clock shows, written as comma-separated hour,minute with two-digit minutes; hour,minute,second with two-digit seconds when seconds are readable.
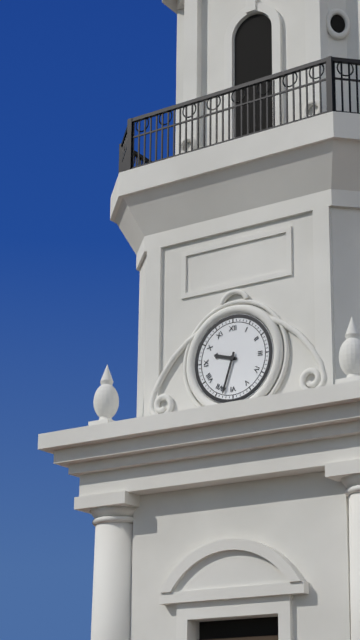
9,33
